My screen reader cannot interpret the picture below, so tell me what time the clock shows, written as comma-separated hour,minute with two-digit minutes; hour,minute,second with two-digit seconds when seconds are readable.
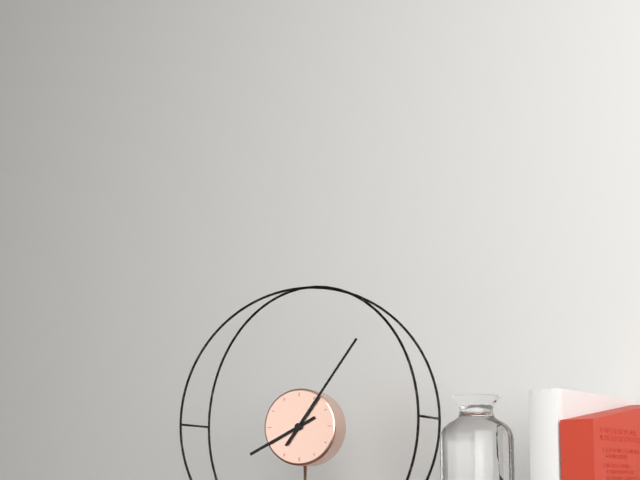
8,06
